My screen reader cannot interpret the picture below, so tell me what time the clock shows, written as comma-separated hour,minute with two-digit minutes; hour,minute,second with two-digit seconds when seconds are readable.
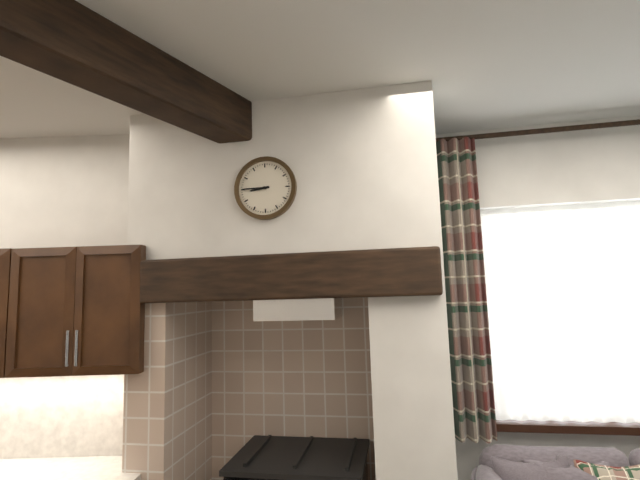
8,45
